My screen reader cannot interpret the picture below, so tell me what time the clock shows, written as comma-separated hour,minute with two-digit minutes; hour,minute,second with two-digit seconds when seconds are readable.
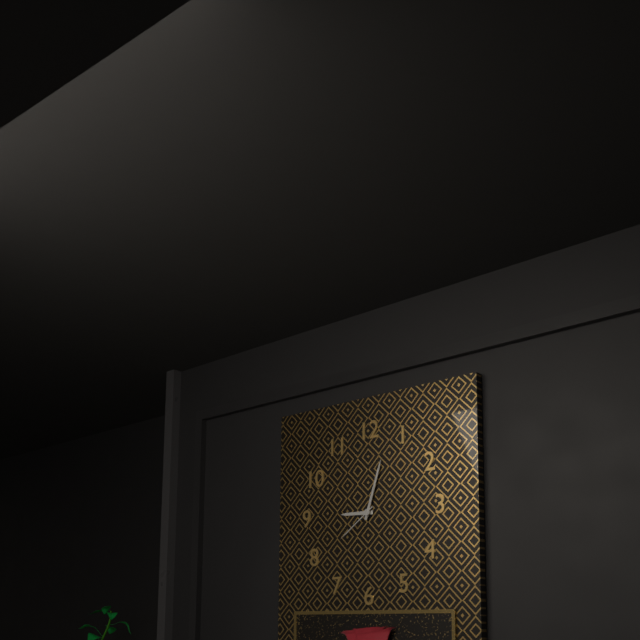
9,03
